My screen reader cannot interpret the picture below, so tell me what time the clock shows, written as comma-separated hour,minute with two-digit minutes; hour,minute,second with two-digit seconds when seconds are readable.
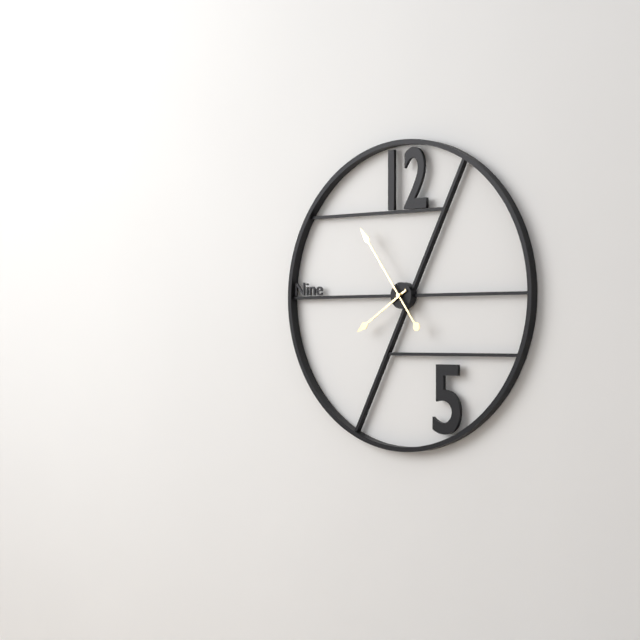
7,54
